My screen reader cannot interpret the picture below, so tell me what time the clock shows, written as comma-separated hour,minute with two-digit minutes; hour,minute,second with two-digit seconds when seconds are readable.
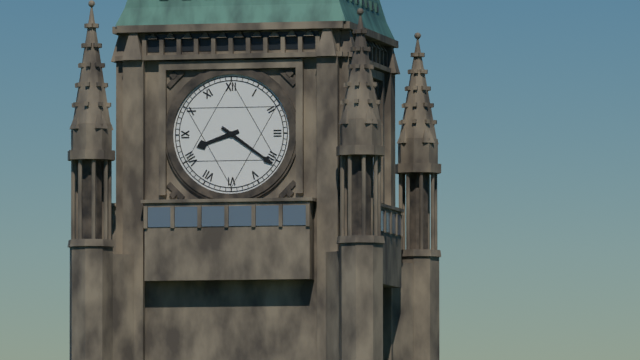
8,21
